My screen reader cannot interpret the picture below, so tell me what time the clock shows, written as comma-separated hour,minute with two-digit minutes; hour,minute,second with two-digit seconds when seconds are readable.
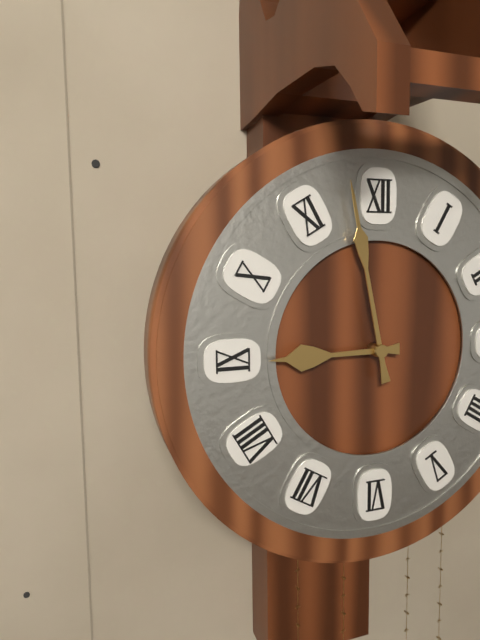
8,58
